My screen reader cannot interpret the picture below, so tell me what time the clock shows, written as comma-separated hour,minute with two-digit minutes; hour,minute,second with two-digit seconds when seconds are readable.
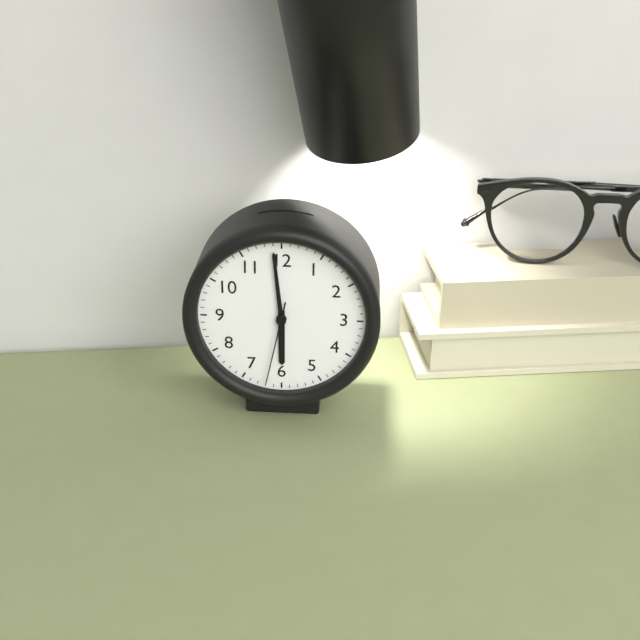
5,59,32
